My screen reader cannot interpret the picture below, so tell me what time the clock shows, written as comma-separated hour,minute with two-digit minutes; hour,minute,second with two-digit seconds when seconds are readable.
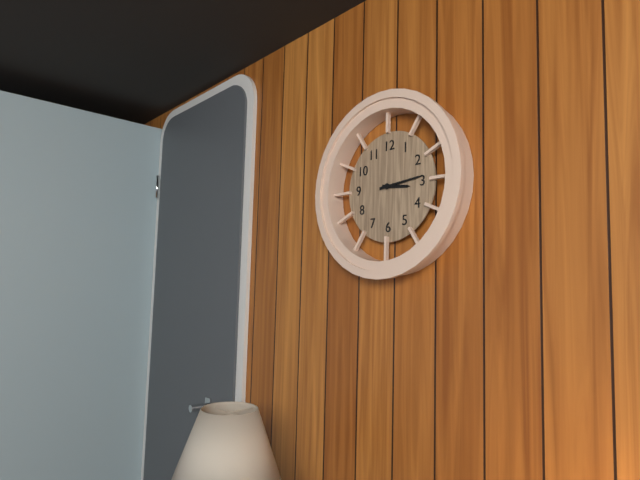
3,14
